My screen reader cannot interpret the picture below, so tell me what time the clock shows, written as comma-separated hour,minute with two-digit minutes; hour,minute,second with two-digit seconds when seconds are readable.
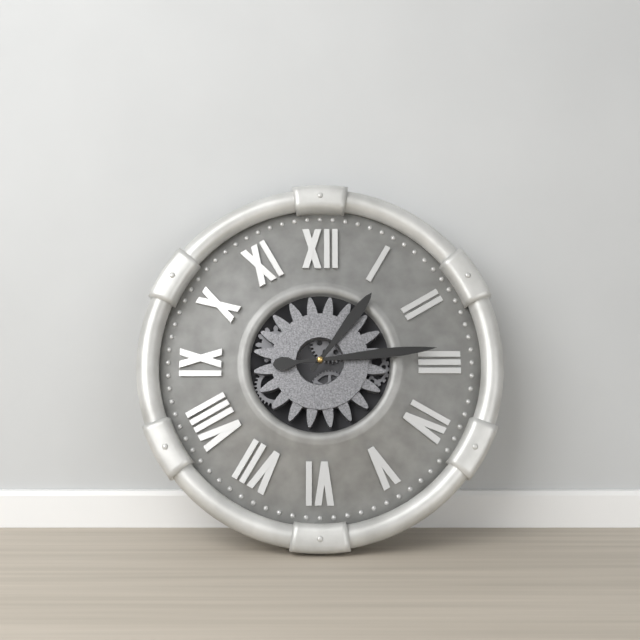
1,14
